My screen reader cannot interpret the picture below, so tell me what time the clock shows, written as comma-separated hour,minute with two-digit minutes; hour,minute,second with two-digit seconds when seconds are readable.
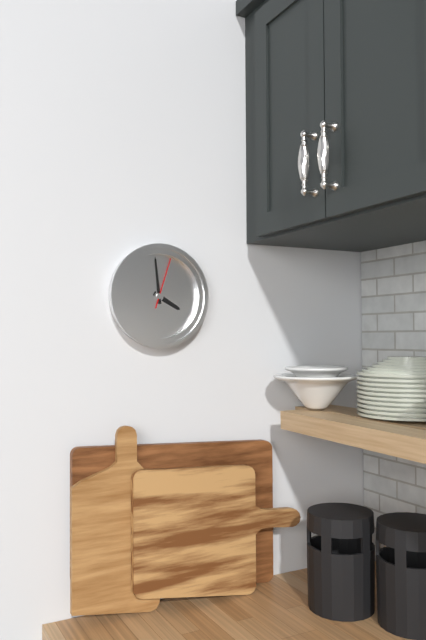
3,59
